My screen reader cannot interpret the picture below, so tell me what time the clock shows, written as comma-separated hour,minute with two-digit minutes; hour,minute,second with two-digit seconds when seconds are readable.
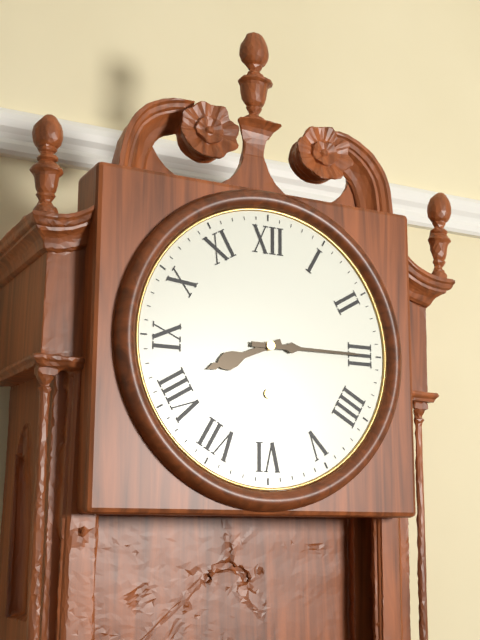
8,15
